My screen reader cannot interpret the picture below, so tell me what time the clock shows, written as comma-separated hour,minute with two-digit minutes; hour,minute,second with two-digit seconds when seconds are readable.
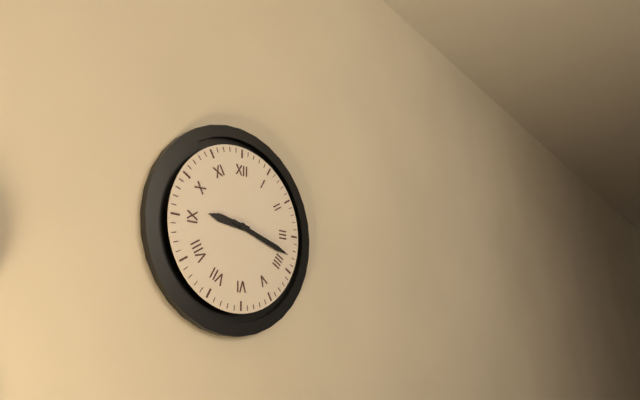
9,18
